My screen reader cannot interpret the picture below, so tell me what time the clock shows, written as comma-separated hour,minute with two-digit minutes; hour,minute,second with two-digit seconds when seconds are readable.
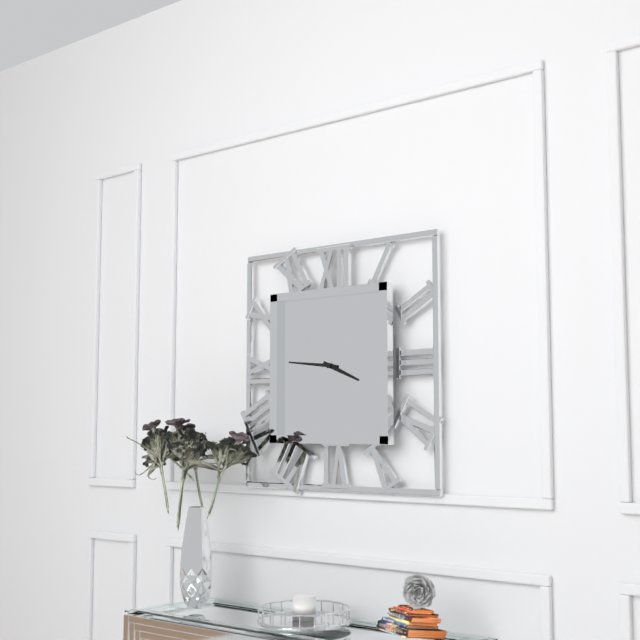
3,46
